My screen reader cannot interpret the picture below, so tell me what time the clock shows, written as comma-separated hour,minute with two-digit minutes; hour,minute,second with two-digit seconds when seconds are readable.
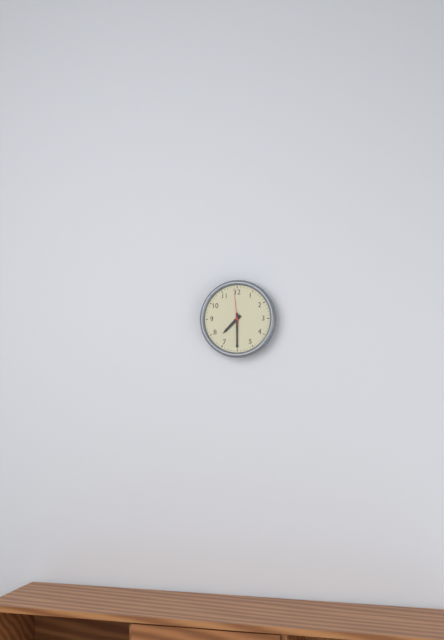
7,30
